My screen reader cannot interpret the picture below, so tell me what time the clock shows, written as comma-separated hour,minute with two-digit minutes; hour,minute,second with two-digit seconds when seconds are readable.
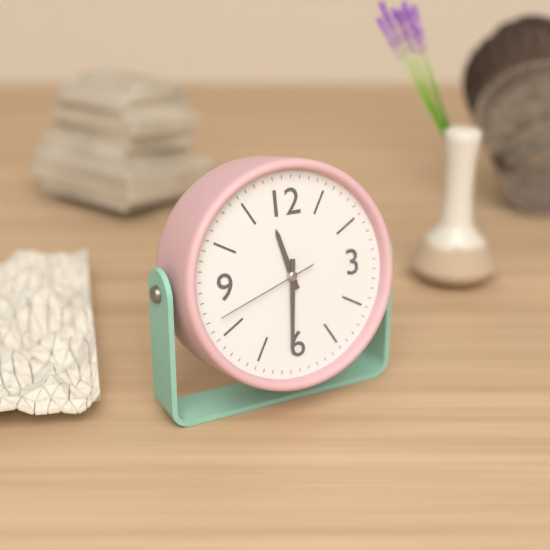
11,31,42
